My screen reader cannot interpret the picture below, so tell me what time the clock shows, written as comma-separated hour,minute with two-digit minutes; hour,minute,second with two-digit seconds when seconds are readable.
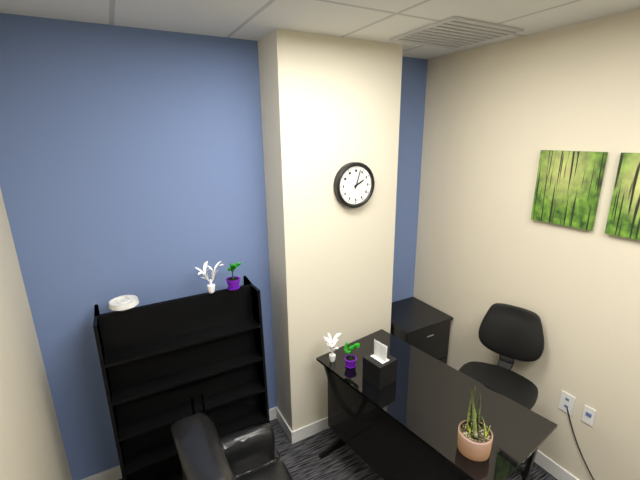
2,03
